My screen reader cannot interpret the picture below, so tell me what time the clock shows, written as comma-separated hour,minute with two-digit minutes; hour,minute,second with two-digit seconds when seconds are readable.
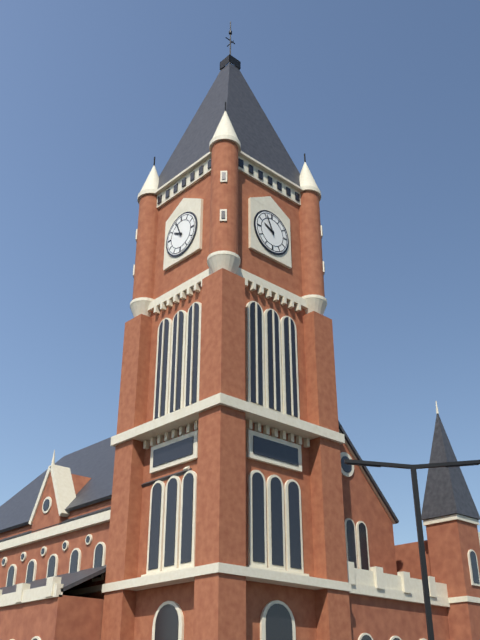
9,56
